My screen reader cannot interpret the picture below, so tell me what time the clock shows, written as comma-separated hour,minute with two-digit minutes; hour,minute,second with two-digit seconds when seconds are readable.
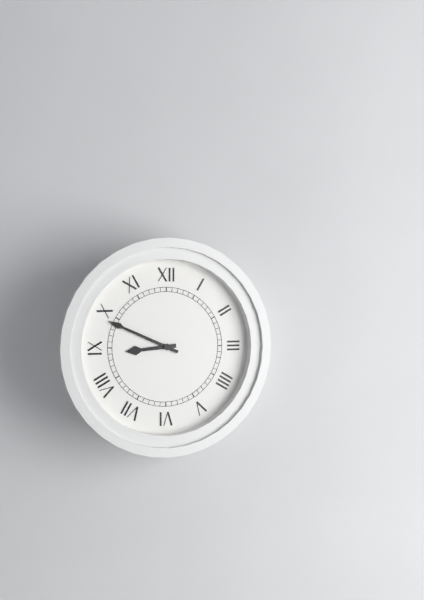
8,49
